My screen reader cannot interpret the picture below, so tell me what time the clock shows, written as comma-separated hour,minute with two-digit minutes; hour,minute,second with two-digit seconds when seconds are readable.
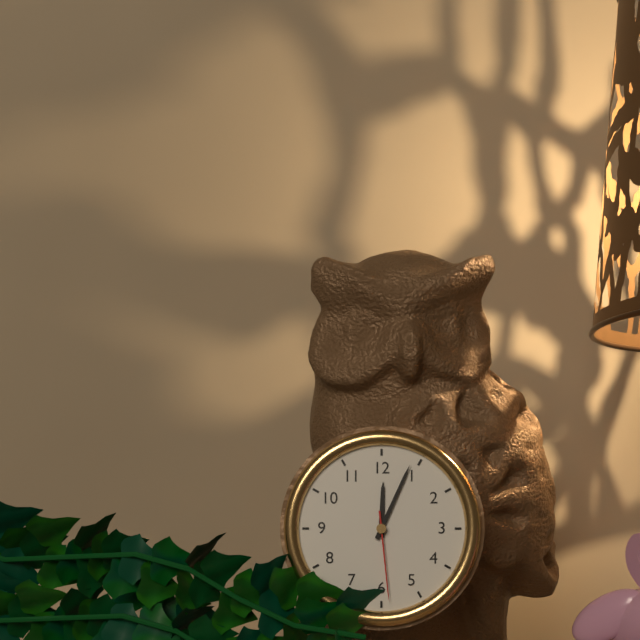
12,04,29
